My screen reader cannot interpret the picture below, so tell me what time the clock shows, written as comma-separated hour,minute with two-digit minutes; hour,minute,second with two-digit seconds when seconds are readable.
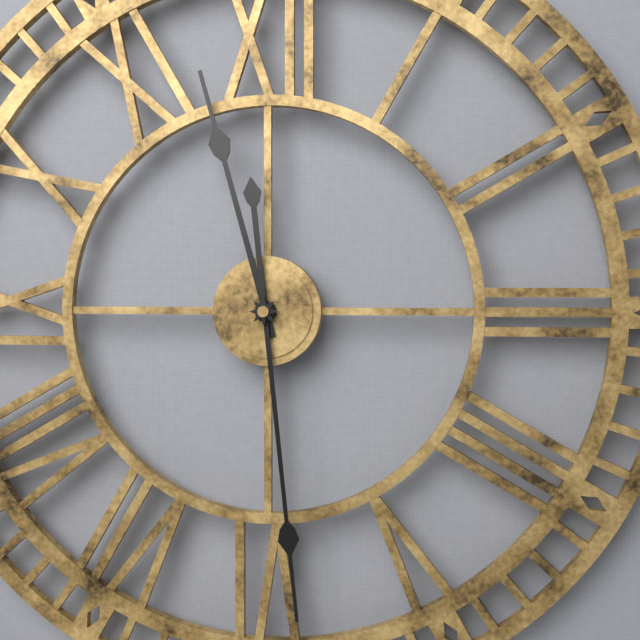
11,29
